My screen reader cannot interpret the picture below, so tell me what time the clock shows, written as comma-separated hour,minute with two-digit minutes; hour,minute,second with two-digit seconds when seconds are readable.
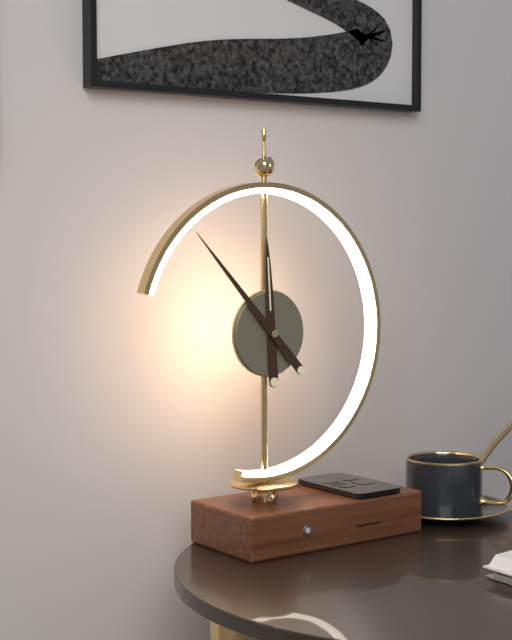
11,53
